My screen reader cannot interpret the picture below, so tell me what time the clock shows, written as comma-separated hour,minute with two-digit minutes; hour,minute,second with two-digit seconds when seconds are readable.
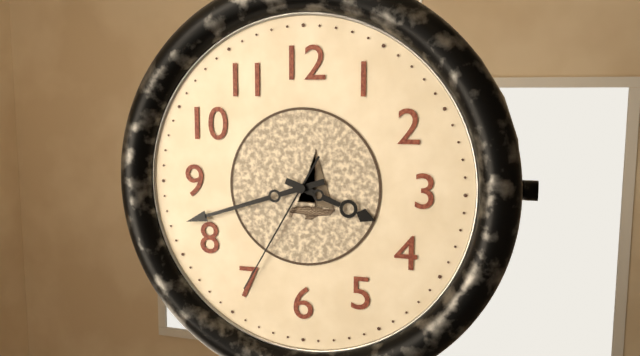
3,42,35
